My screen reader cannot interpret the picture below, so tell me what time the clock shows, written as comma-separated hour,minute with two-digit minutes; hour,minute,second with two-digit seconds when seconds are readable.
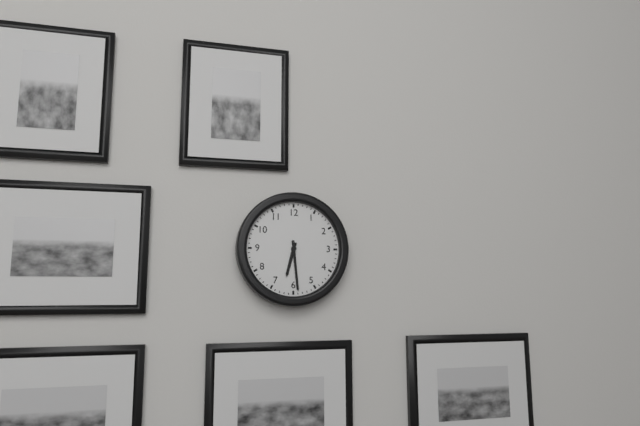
6,29
